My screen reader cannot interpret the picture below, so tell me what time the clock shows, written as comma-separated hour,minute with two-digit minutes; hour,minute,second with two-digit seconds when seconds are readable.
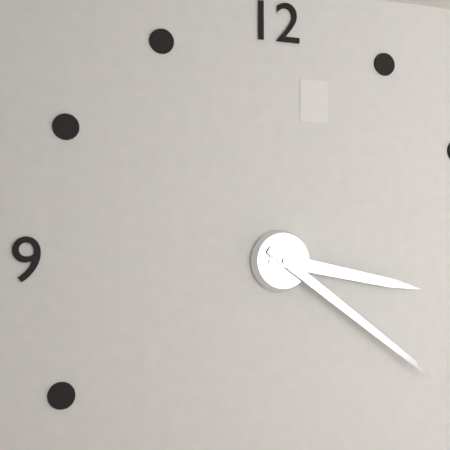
3,21
